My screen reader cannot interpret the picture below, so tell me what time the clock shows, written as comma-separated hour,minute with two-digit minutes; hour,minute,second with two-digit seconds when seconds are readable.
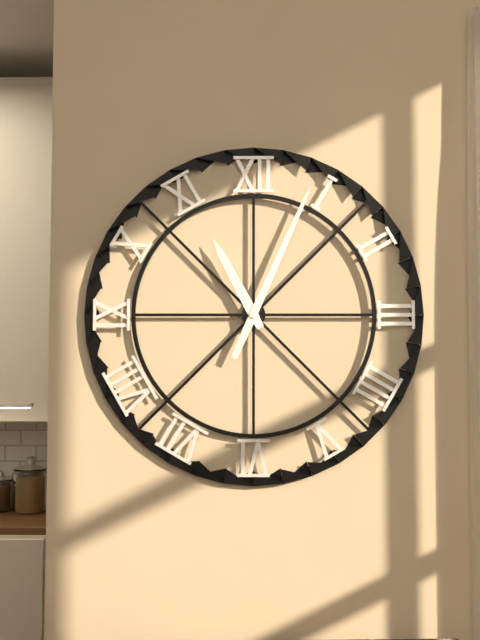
11,04
